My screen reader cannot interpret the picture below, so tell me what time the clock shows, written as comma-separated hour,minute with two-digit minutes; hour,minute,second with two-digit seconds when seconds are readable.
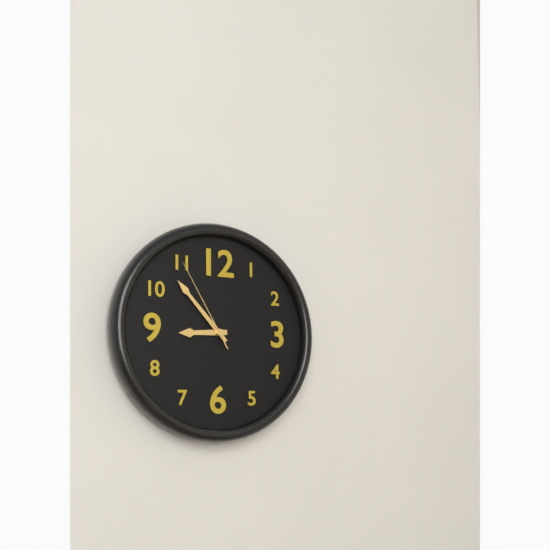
8,53,55
